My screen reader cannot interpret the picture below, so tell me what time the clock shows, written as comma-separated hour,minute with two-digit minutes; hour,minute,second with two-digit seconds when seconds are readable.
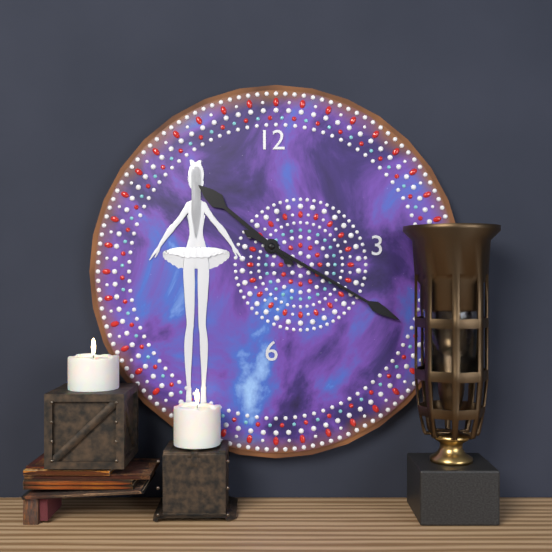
10,20
